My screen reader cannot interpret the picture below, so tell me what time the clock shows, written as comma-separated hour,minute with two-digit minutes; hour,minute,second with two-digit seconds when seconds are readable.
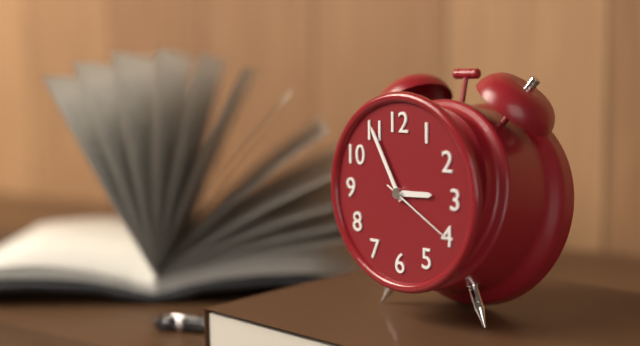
2,55,20
